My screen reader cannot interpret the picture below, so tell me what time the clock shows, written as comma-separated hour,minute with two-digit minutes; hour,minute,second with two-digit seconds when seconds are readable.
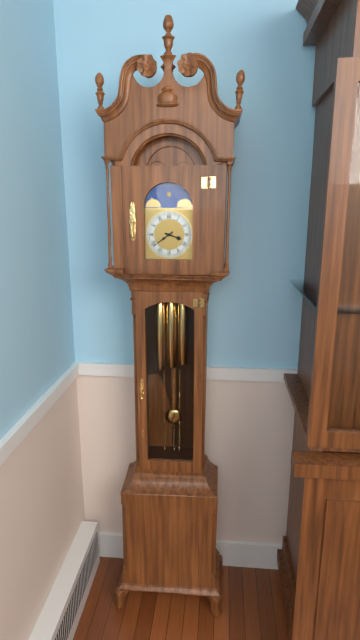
3,39
